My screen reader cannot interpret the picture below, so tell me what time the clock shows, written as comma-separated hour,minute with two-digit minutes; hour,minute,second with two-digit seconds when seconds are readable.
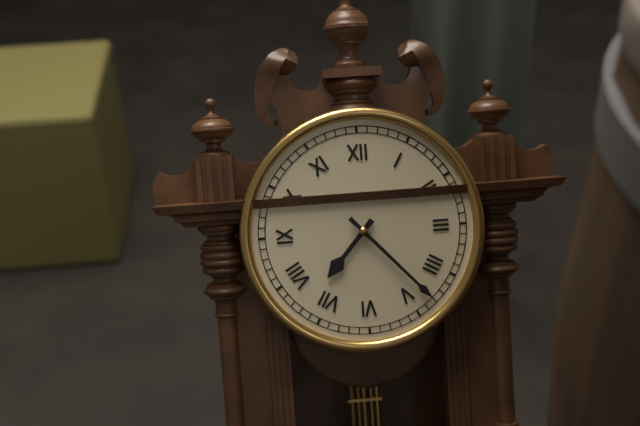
7,23
